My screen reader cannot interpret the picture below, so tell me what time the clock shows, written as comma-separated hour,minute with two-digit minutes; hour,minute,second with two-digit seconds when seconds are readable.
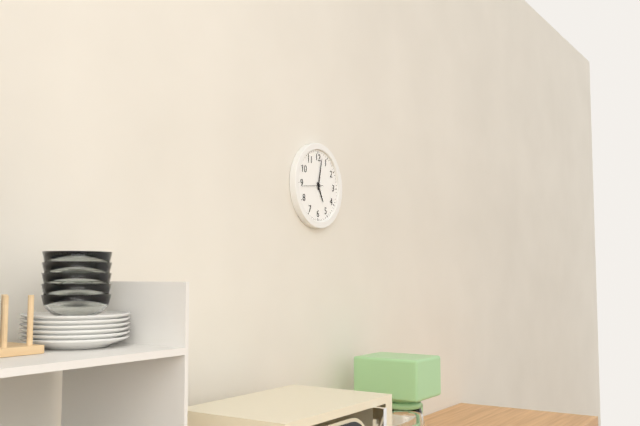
5,02
